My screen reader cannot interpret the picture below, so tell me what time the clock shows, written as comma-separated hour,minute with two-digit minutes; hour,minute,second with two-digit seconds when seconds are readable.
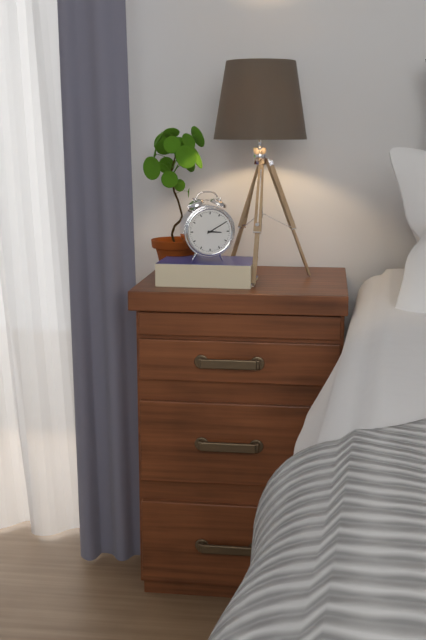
3,10
